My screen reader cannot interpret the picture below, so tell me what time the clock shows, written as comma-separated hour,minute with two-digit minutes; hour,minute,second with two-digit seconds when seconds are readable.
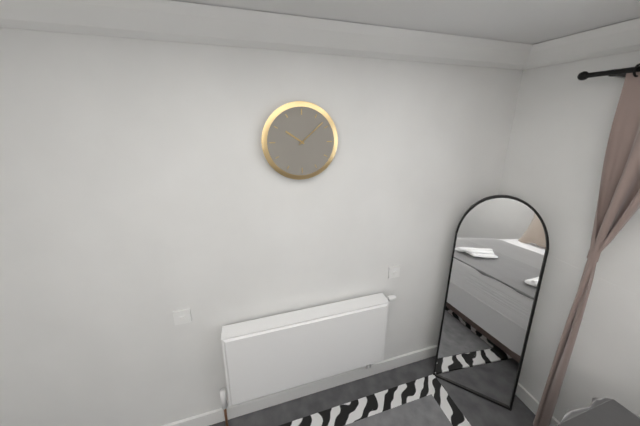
10,08
